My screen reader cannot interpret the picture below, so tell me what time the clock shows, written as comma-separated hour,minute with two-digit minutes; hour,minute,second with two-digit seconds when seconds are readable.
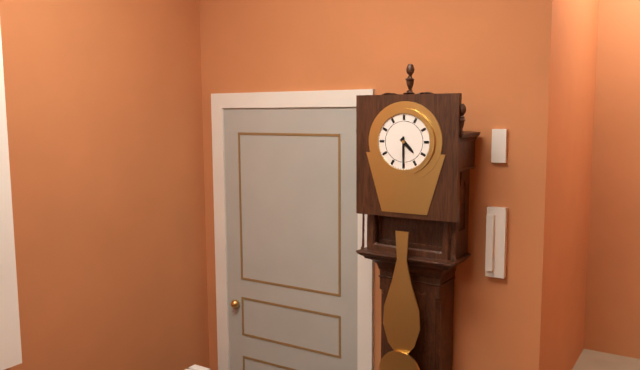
4,30
